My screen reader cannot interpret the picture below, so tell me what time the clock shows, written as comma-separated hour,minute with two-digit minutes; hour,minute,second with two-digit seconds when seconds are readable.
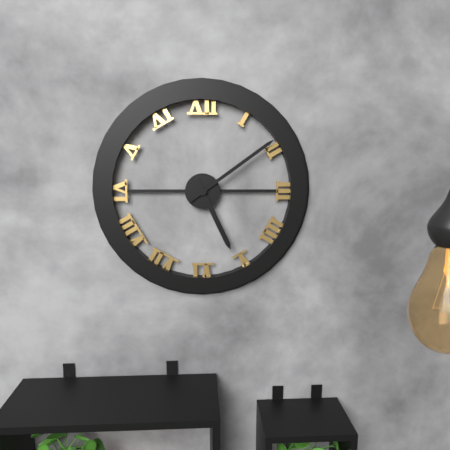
5,09
